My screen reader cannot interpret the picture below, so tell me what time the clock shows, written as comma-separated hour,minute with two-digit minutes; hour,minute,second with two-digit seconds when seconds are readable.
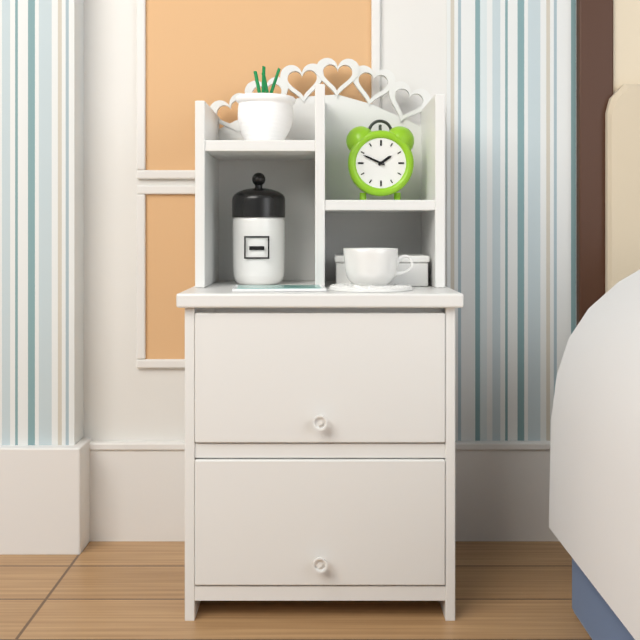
1,49
